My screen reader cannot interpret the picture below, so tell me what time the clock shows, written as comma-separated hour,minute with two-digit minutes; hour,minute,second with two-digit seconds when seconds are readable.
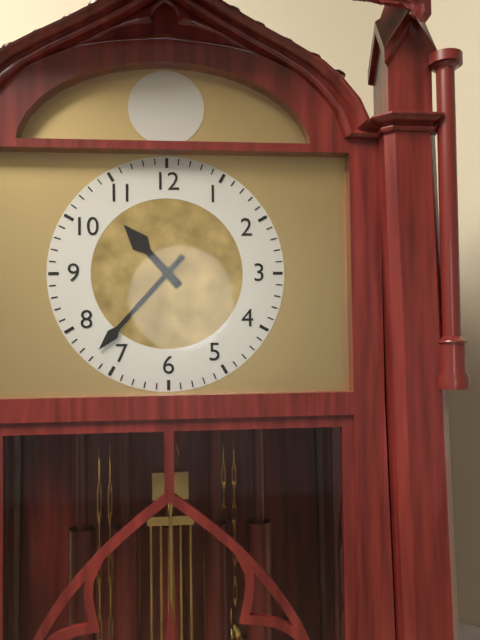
10,37
